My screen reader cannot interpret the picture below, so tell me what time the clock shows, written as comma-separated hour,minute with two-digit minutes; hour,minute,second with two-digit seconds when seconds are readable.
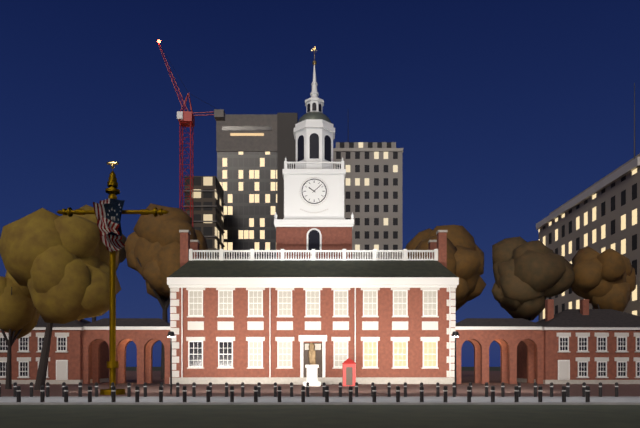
10,08
